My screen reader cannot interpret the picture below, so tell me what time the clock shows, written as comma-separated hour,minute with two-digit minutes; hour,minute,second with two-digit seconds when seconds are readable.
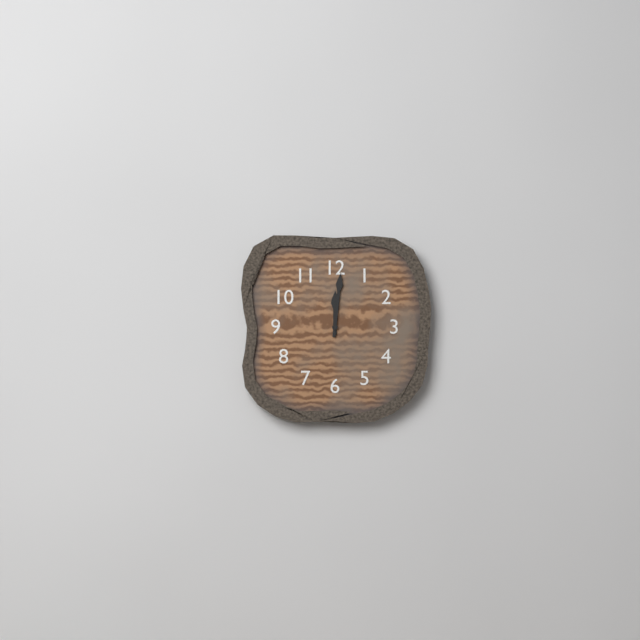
12,01
